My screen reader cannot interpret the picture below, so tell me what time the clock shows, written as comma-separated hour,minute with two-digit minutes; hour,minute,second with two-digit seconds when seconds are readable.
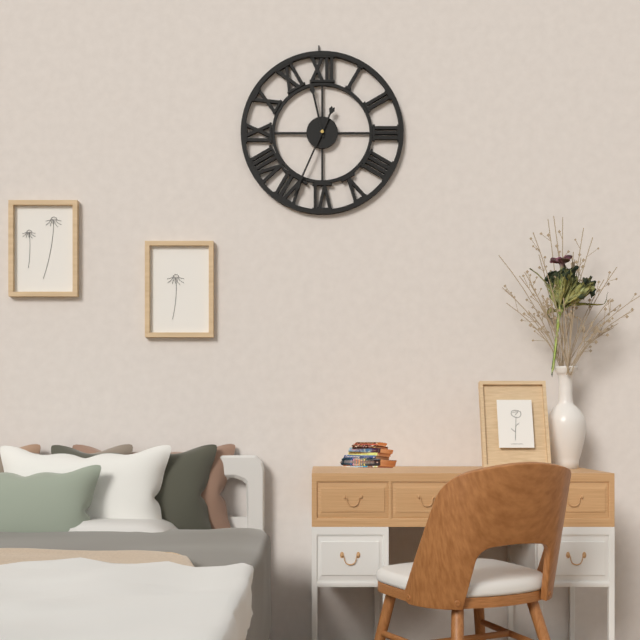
11,34
